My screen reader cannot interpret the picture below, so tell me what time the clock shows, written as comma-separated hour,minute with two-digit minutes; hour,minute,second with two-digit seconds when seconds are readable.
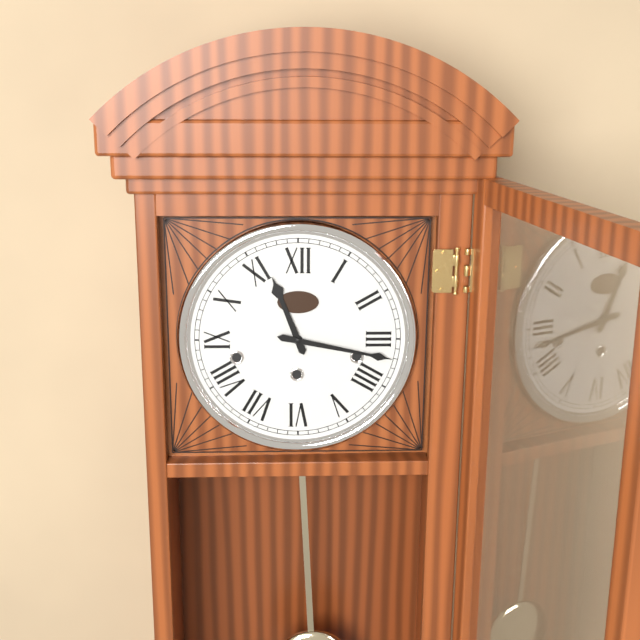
11,17
